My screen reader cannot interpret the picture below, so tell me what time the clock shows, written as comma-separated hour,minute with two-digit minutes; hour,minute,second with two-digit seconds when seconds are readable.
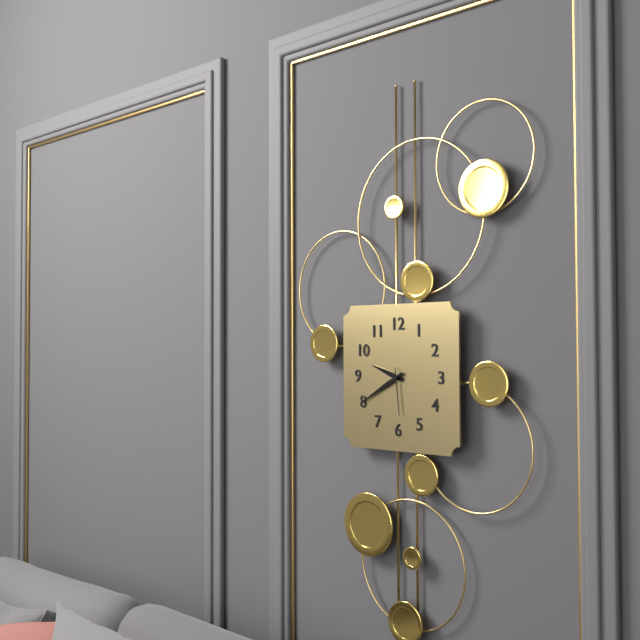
9,40
